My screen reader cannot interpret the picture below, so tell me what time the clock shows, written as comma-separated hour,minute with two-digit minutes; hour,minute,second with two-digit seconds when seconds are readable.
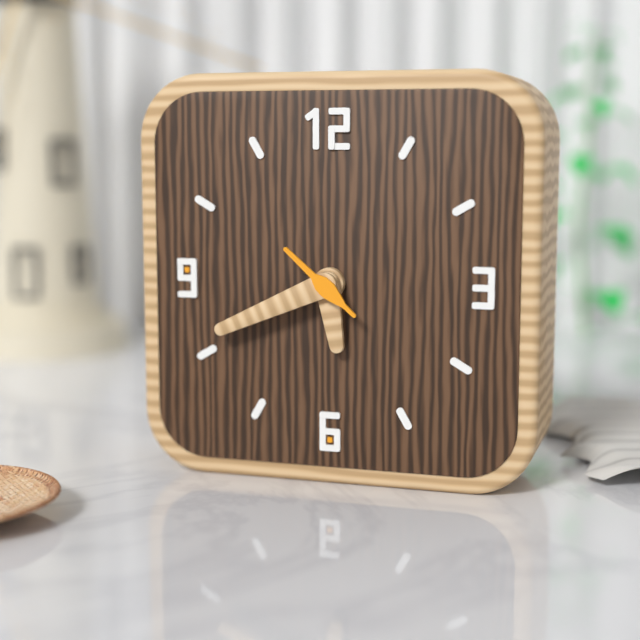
5,41,52
